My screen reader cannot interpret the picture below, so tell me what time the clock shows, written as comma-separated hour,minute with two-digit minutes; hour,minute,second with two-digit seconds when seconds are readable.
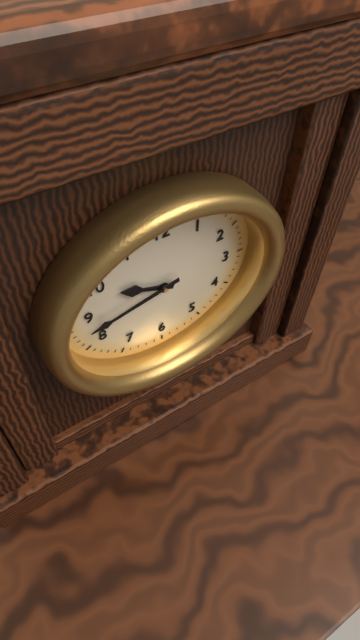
9,43
